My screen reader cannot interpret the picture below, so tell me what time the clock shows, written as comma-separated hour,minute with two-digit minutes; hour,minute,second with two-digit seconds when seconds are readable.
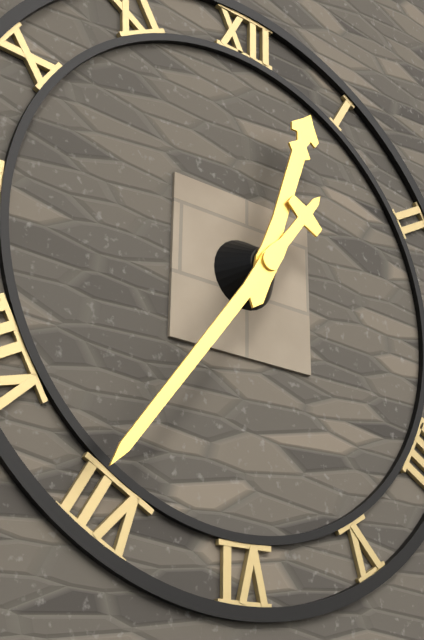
12,36
